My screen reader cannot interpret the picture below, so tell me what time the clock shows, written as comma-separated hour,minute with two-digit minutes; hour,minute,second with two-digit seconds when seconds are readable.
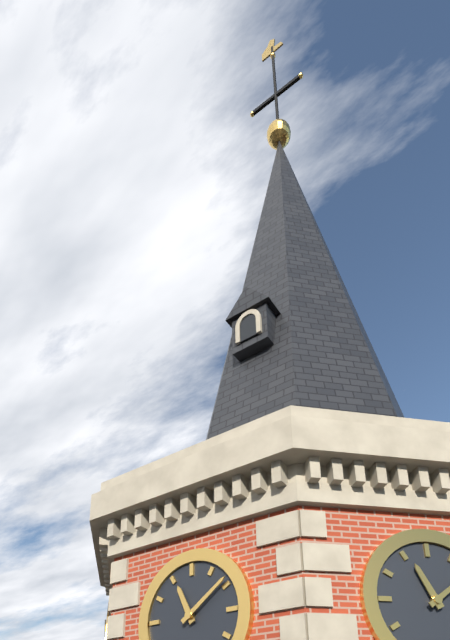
11,09
